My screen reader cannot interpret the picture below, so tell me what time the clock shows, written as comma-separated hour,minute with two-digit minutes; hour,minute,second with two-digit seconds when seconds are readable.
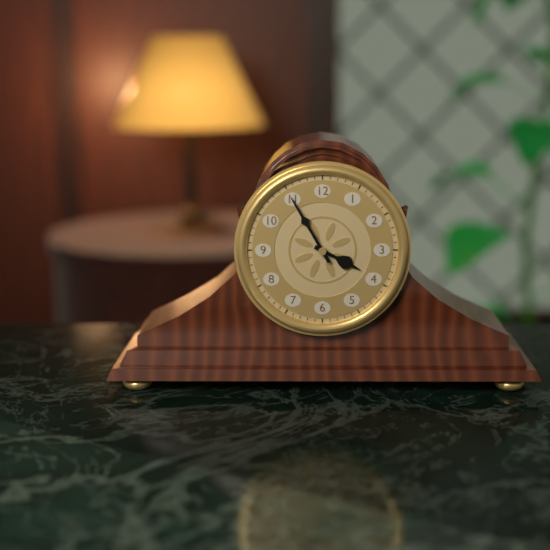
3,55
